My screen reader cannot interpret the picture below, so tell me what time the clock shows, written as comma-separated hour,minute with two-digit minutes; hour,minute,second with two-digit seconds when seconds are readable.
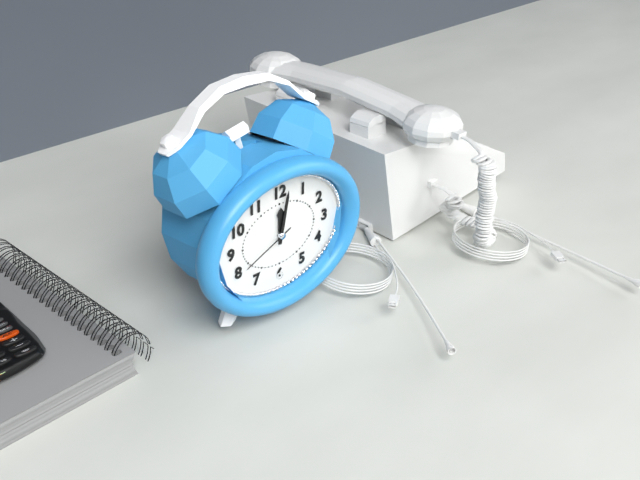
12,02,41
